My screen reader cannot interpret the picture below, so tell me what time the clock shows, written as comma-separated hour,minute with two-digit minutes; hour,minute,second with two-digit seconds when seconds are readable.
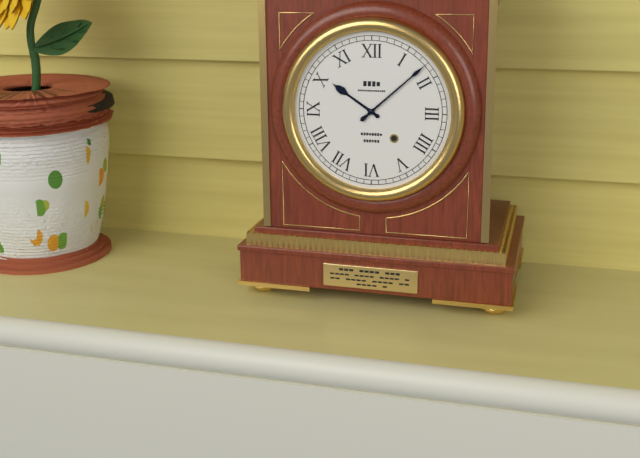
10,08
